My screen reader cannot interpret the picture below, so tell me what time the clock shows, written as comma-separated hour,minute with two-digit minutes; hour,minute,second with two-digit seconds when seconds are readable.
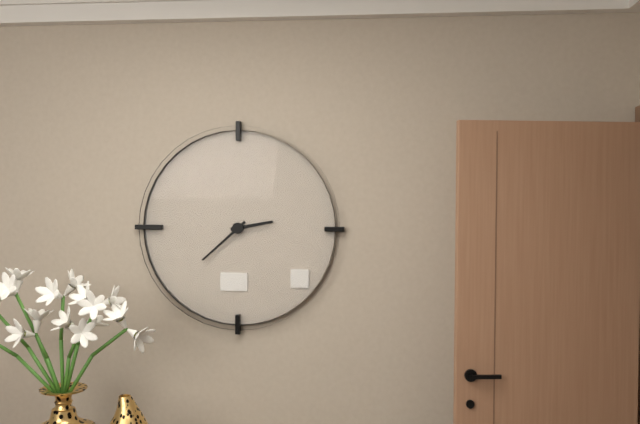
2,38
